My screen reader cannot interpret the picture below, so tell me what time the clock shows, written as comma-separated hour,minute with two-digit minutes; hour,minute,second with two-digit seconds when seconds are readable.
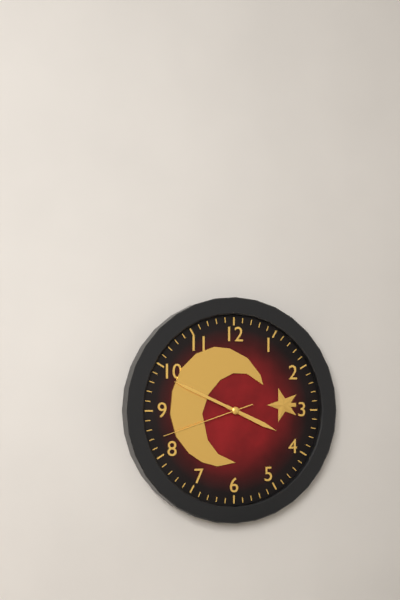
3,49,42
